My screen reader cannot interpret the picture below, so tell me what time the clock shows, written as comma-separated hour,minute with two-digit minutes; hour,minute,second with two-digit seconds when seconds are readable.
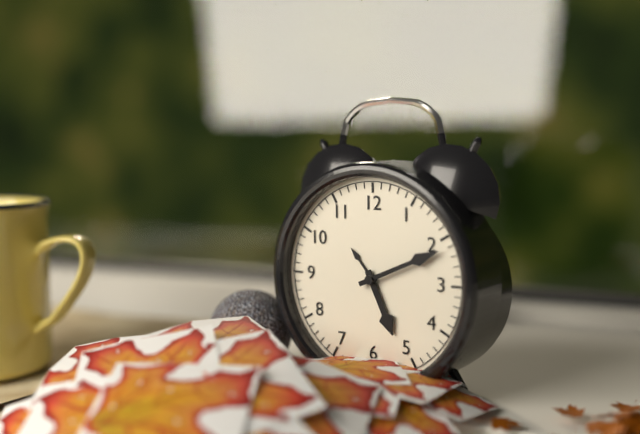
5,11
